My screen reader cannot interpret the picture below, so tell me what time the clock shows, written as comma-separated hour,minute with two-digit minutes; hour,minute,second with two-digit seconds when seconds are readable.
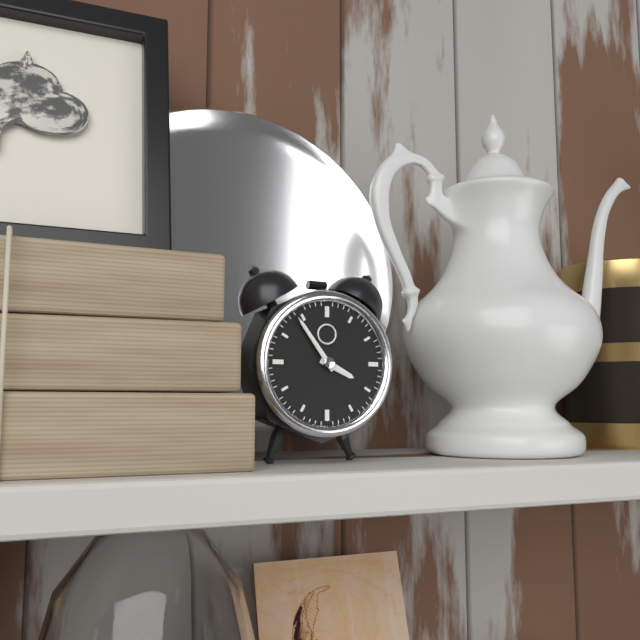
3,54
